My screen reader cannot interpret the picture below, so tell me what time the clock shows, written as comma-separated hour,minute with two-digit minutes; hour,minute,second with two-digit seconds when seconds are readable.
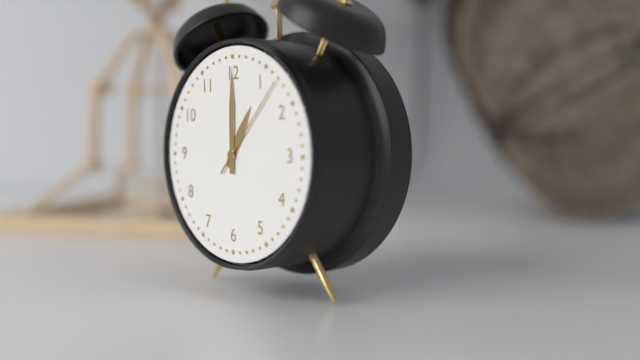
1,00,07
